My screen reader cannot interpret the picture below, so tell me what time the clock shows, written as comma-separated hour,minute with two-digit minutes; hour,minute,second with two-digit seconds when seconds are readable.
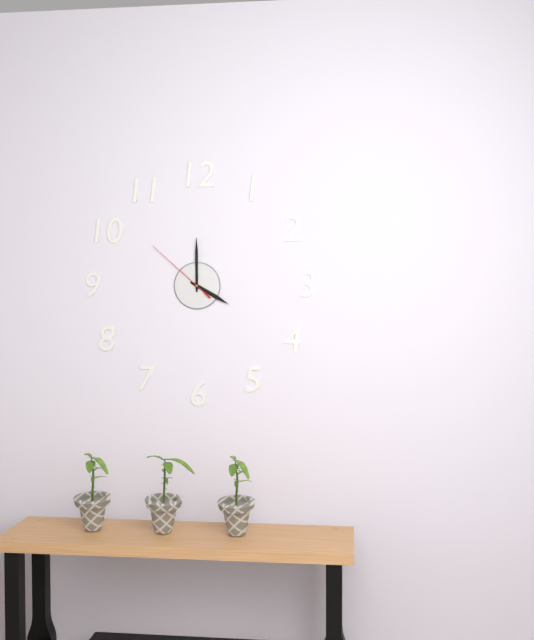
4,00,52
